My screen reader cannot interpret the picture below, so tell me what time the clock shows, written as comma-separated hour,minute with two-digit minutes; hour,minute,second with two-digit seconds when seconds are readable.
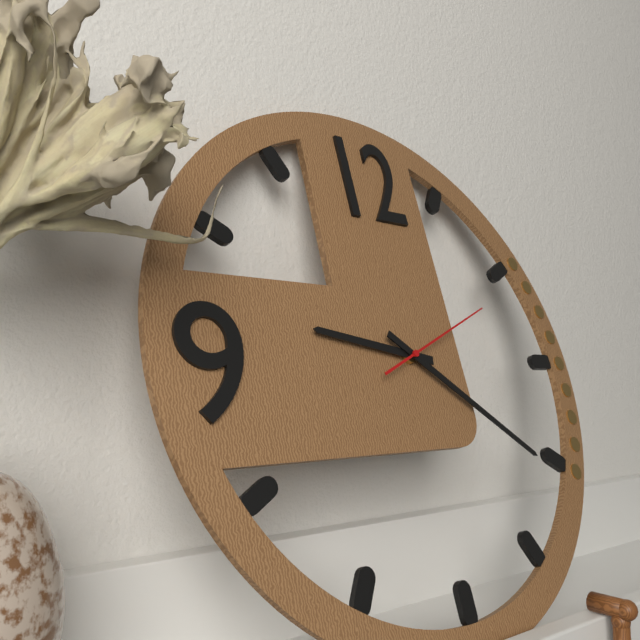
9,21,11
